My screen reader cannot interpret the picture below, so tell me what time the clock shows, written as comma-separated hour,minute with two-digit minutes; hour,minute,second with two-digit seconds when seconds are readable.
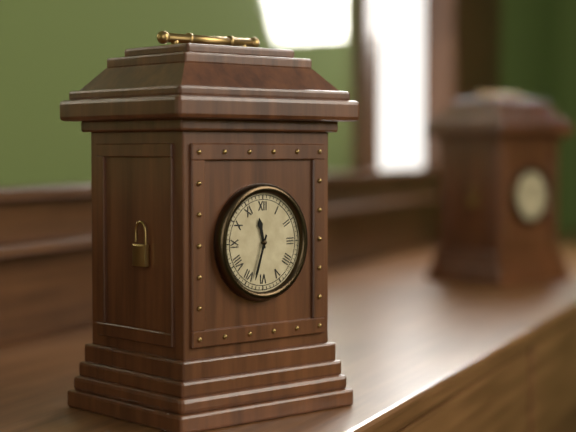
11,33
